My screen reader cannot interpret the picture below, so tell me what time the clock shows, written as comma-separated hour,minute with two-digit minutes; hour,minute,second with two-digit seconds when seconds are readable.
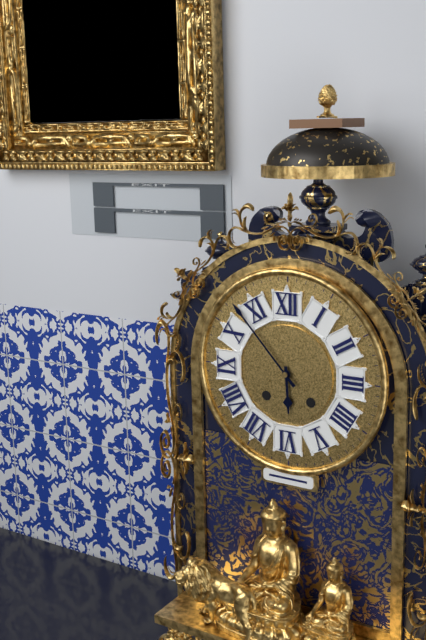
5,53
